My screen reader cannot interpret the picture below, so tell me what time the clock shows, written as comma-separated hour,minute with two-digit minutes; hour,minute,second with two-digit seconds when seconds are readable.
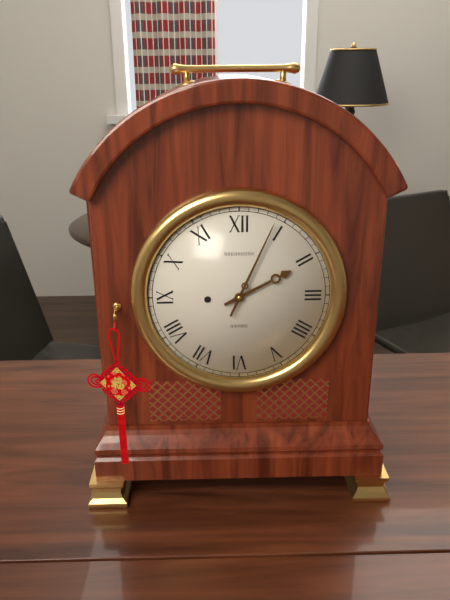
2,04
